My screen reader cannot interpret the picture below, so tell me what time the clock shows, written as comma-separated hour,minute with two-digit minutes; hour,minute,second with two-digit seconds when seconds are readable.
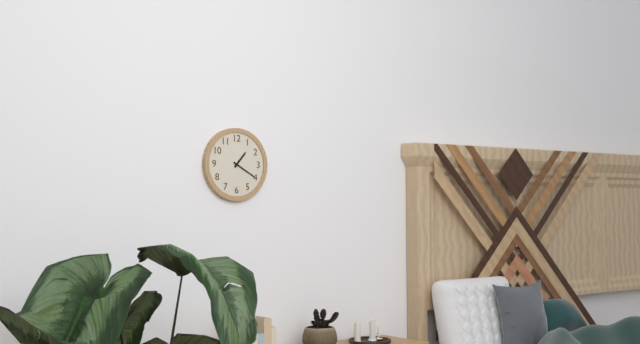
1,20
